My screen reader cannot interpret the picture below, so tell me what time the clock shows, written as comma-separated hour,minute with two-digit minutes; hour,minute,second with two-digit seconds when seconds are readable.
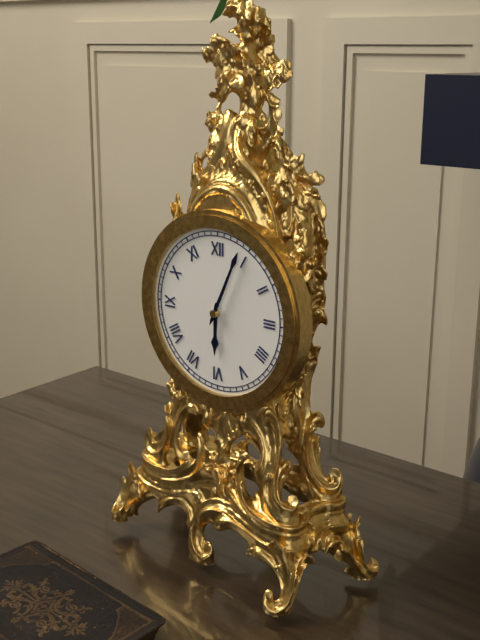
6,04
